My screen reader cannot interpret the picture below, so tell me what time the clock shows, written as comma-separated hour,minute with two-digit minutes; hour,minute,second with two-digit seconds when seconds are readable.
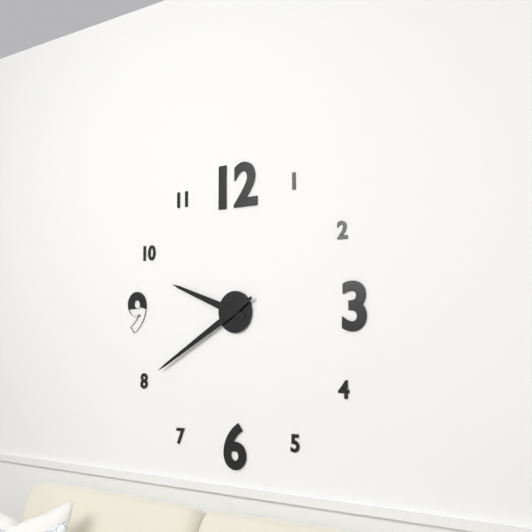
9,40
